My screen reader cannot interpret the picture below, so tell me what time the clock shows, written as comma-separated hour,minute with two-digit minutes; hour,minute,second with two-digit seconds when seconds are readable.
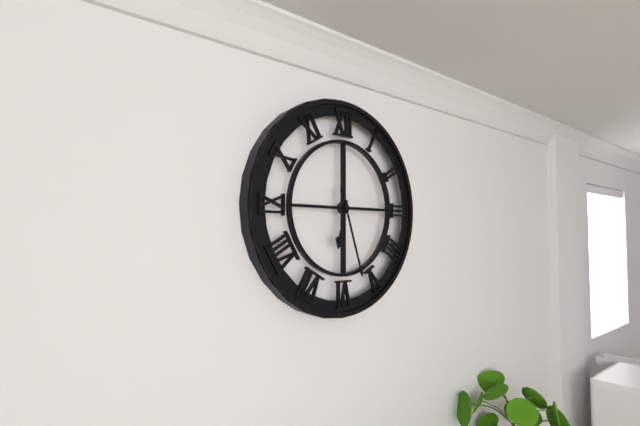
6,27
